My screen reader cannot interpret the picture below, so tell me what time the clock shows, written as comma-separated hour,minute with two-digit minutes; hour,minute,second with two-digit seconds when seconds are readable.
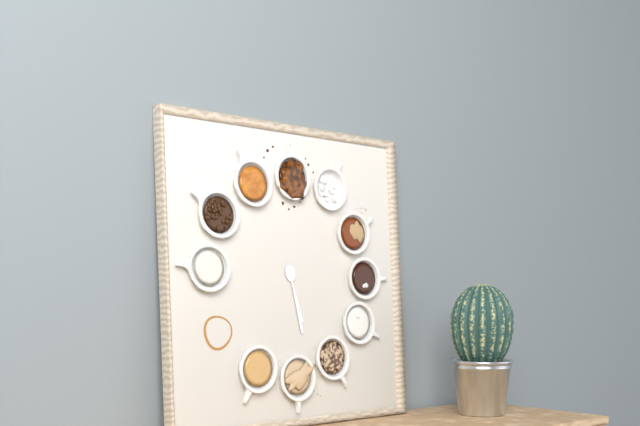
5,28
